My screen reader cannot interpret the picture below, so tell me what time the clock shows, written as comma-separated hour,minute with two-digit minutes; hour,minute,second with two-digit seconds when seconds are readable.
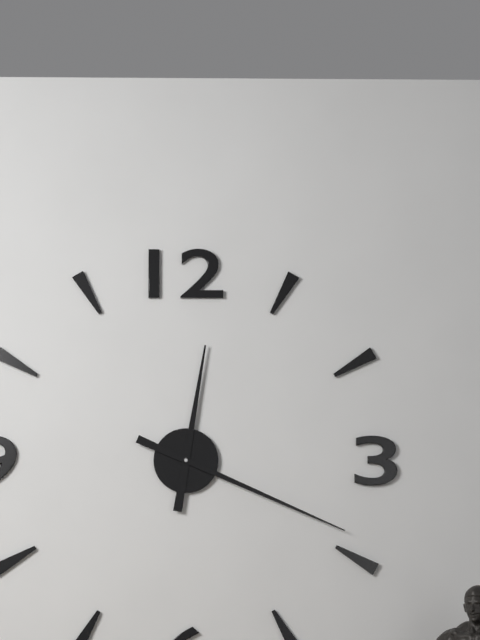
12,19
